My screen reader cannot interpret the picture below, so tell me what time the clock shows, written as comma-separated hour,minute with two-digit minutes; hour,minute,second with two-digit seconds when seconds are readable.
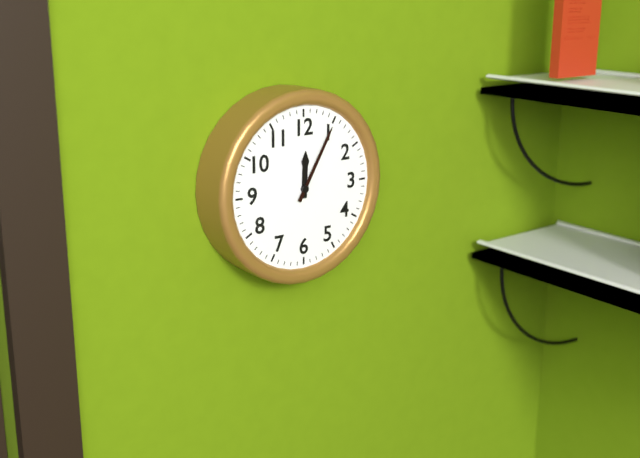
12,05
